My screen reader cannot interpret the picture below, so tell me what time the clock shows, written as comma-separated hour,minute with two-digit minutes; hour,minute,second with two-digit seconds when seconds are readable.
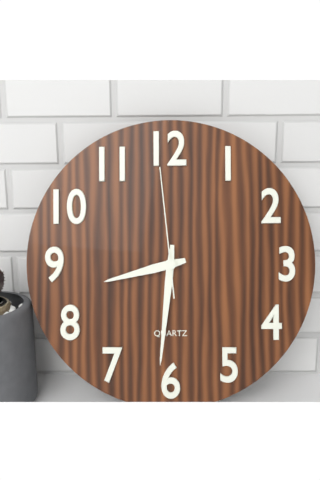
8,31,59
